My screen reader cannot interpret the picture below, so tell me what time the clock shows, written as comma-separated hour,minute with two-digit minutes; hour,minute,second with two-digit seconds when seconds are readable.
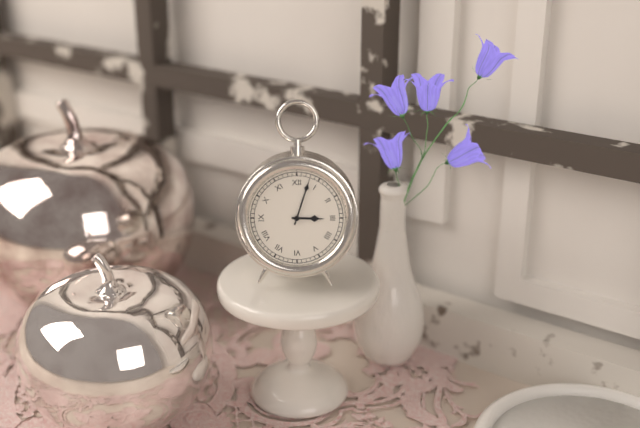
3,03
